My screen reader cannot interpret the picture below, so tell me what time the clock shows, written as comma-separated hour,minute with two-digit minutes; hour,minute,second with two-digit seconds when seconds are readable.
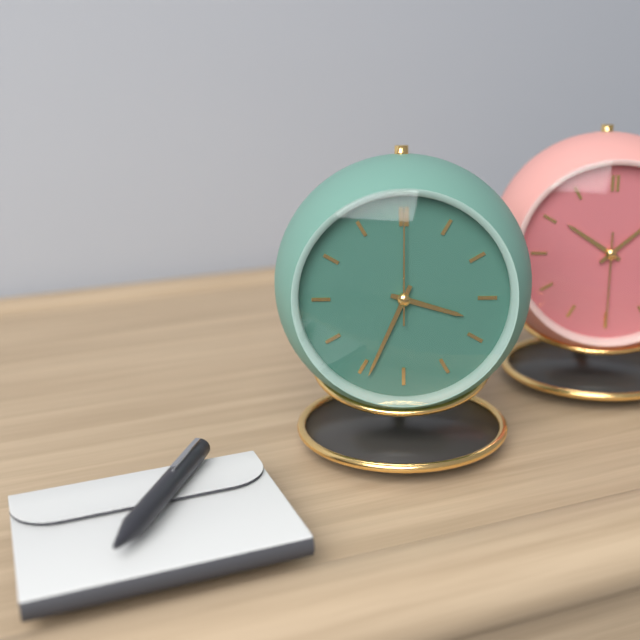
3,34,00
